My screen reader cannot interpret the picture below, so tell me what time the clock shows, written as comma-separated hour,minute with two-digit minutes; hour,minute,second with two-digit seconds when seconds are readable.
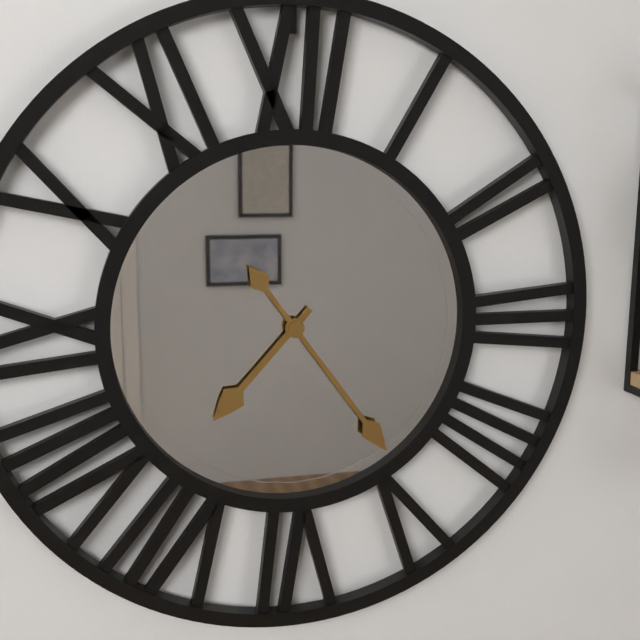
7,24
